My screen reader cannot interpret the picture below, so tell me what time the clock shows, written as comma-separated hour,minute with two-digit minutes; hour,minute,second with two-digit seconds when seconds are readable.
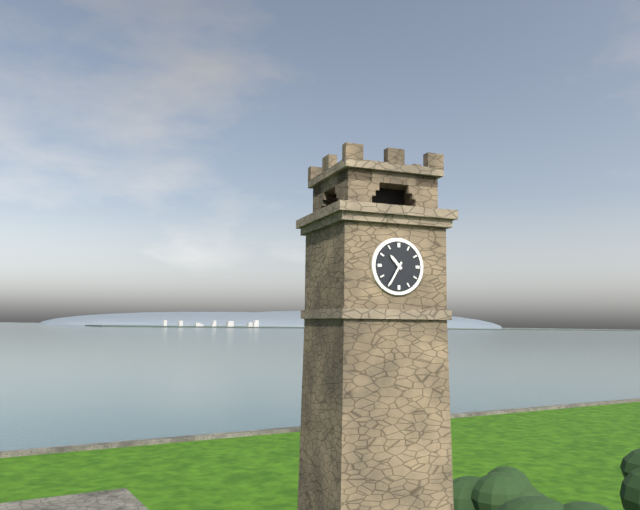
10,35
